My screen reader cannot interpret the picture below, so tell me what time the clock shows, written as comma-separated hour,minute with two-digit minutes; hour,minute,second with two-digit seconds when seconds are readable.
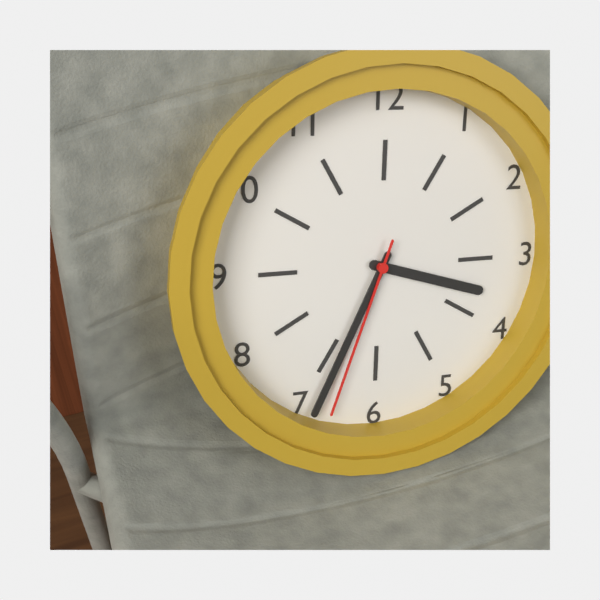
3,34,33
